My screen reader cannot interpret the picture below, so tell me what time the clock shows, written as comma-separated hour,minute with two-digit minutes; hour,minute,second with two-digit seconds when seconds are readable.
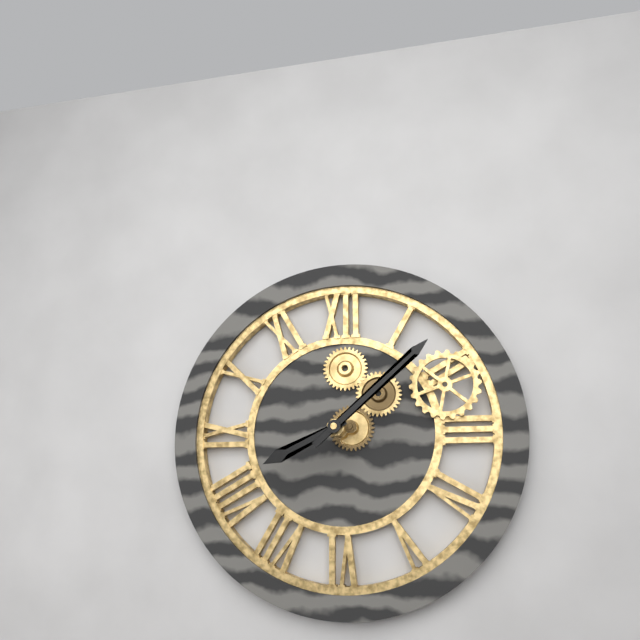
8,08
